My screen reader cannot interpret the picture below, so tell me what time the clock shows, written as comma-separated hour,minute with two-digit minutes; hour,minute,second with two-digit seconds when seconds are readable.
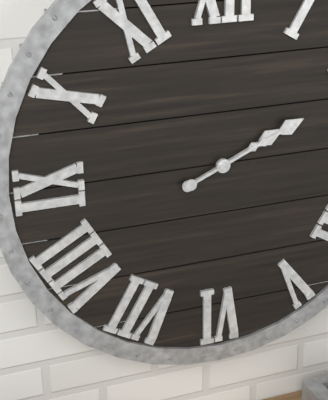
2,11
